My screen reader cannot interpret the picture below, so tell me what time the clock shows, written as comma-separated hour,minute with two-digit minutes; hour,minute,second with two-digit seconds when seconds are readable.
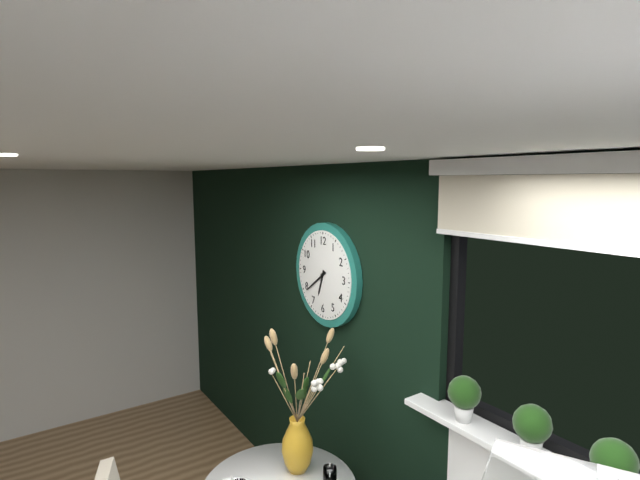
6,39
